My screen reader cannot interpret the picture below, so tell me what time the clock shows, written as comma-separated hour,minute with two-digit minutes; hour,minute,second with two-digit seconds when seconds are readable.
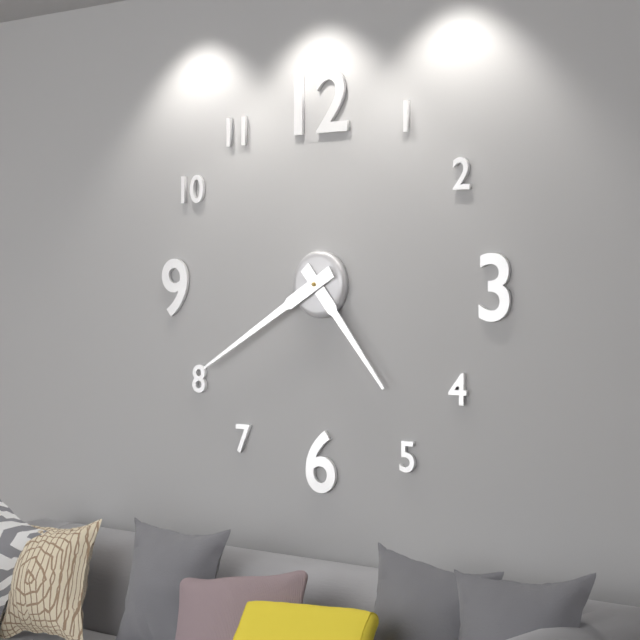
4,40
